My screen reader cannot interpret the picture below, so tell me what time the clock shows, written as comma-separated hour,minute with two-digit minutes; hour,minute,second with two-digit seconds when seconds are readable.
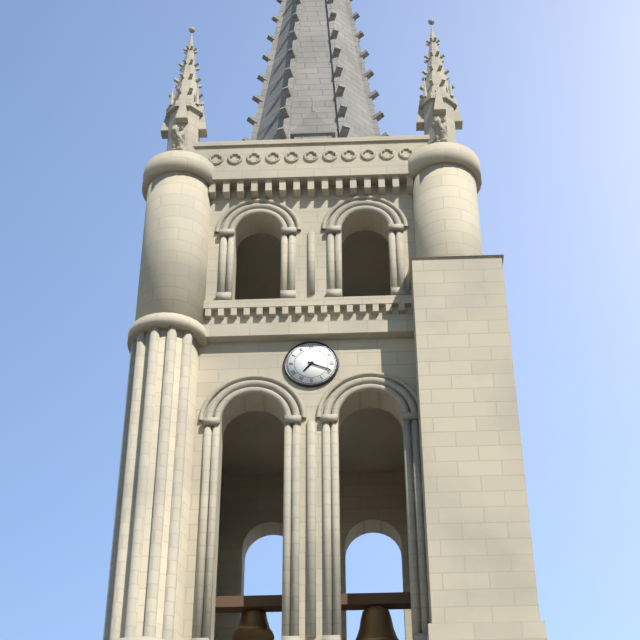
7,19
